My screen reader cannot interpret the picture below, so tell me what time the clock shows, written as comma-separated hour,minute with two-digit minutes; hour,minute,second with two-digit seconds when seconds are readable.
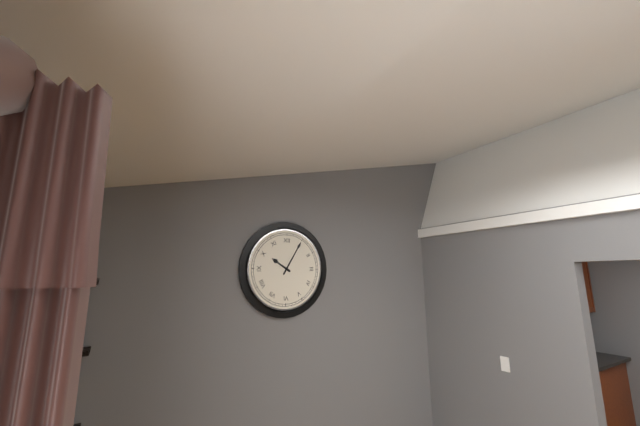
10,05
